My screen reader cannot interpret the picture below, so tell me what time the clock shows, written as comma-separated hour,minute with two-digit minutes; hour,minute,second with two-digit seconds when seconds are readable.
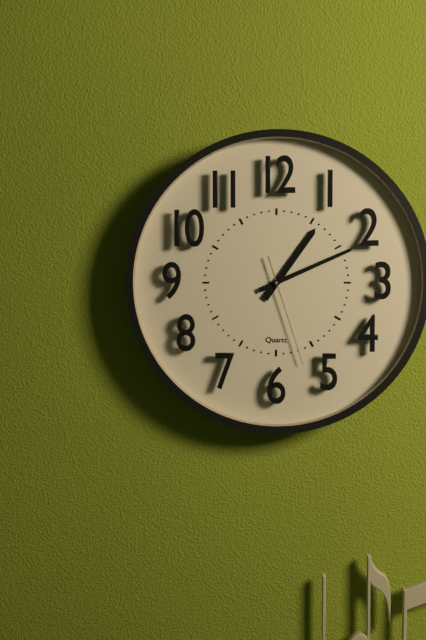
1,11,27
